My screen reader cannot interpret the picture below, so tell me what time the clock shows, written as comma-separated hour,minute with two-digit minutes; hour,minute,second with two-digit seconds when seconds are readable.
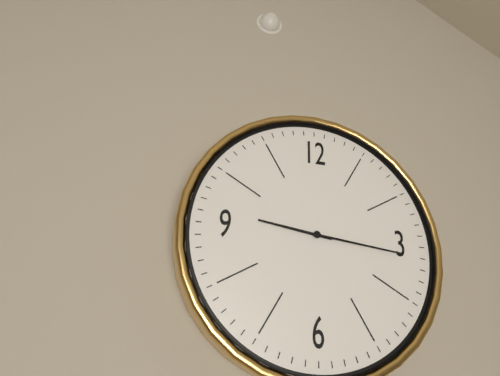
9,16
